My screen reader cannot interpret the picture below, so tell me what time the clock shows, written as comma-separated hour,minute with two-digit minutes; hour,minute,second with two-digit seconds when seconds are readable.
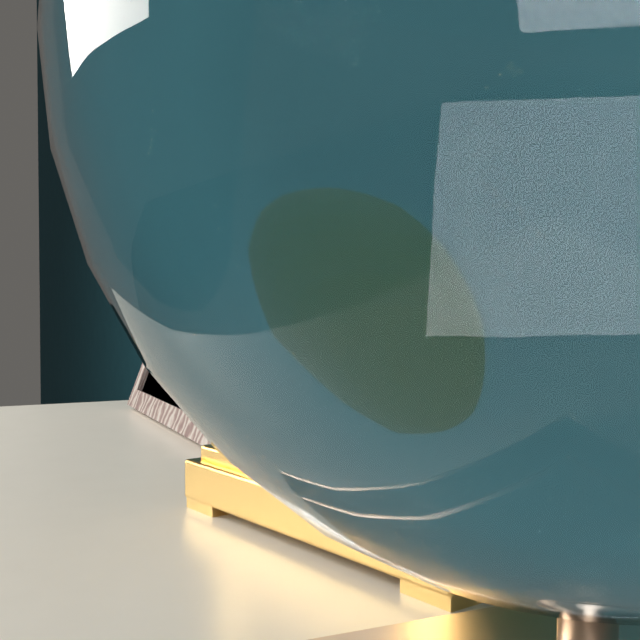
5,59
